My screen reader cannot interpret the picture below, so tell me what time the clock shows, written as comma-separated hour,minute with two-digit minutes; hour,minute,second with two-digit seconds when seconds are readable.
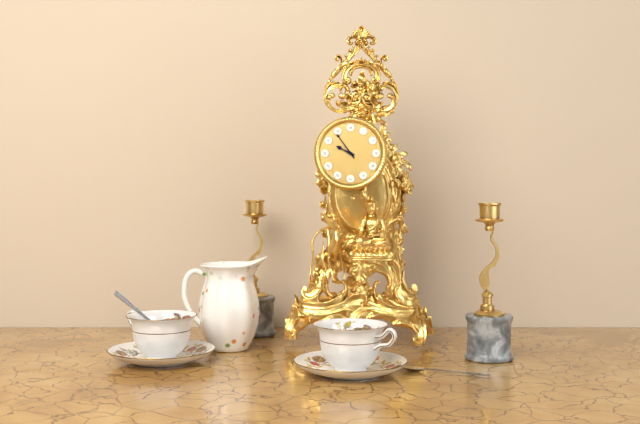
9,54
